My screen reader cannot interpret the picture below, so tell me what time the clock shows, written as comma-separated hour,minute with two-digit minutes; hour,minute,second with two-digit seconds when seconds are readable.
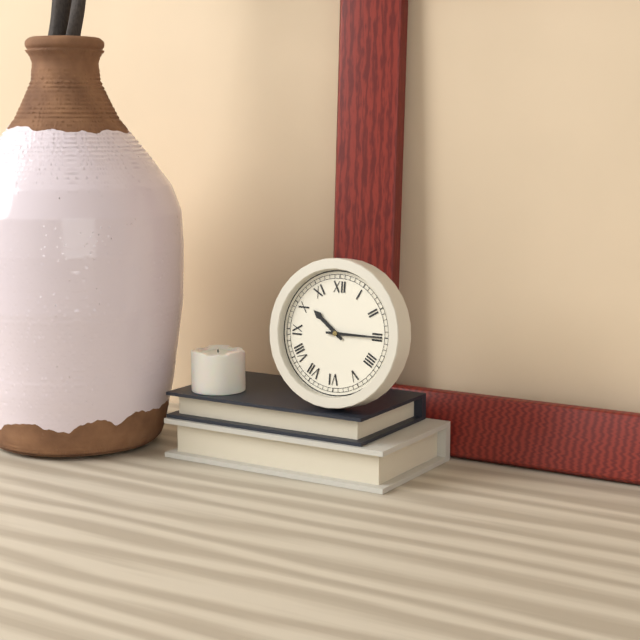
10,15
